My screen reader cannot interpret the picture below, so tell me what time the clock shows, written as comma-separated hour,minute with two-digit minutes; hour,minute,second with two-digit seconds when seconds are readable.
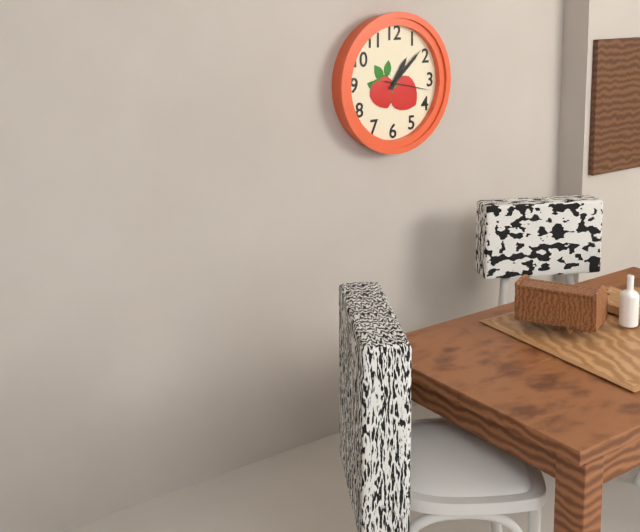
1,08
